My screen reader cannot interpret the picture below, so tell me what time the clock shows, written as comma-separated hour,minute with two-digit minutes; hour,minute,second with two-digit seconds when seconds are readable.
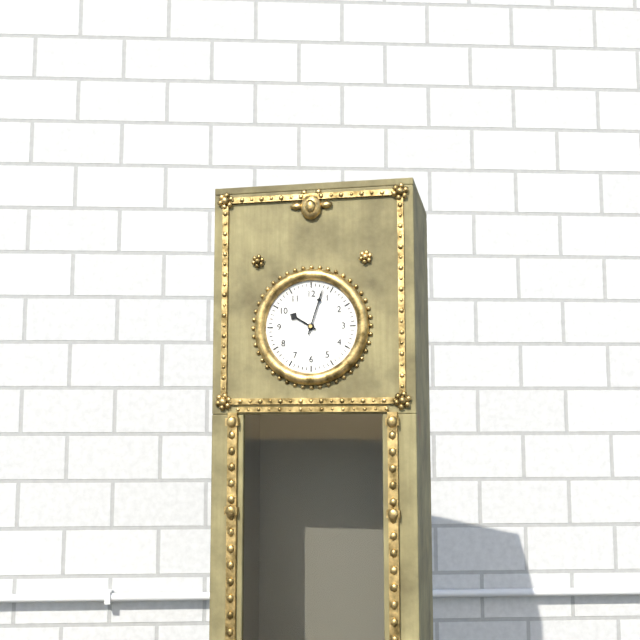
10,03
